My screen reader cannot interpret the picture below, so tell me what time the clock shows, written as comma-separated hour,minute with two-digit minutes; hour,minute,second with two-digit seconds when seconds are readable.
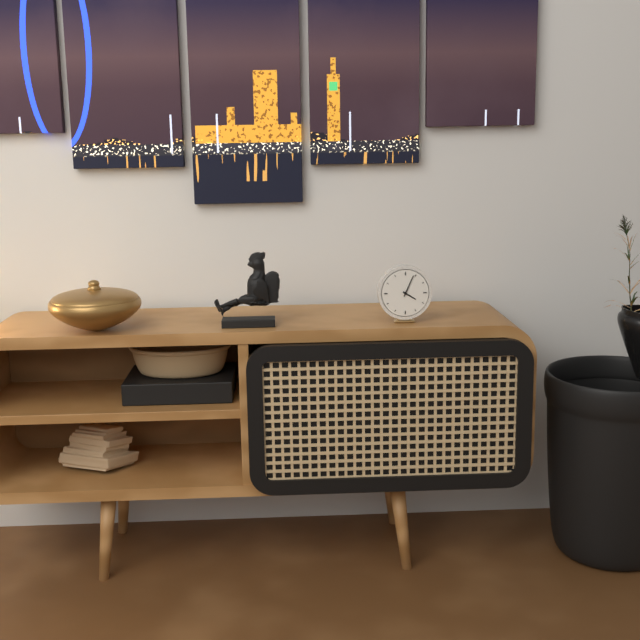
4,04
